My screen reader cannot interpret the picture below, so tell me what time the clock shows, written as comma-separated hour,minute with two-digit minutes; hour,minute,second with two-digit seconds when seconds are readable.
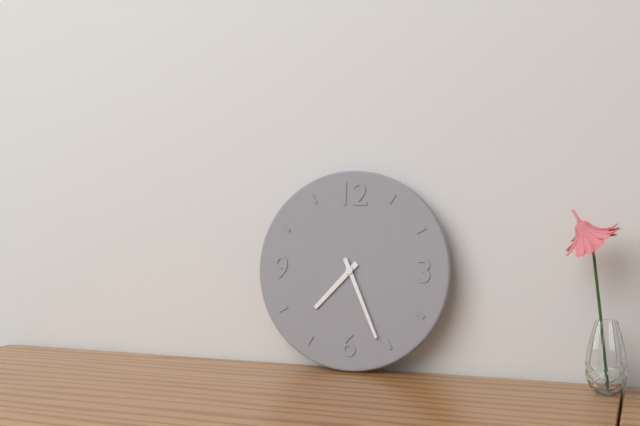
7,26
